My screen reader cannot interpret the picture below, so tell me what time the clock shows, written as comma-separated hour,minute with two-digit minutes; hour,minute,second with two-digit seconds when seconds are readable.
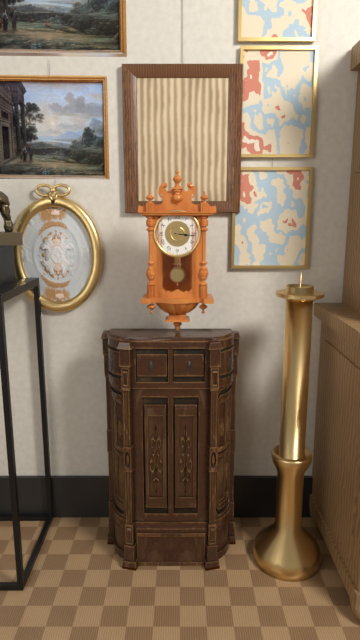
3,16
